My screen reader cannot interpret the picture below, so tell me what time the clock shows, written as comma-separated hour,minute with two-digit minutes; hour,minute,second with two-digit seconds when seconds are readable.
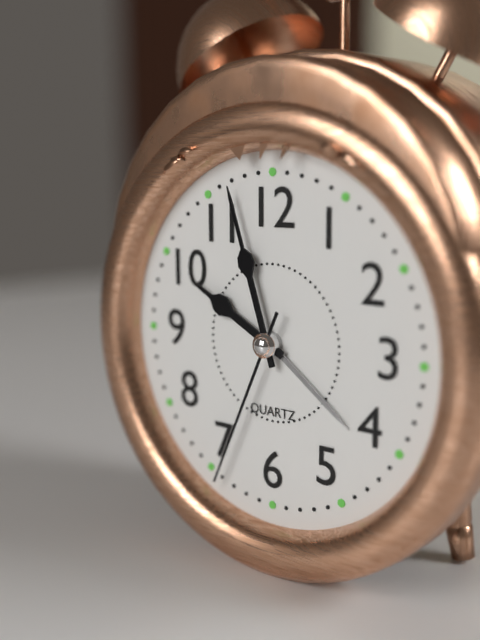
9,57,34
